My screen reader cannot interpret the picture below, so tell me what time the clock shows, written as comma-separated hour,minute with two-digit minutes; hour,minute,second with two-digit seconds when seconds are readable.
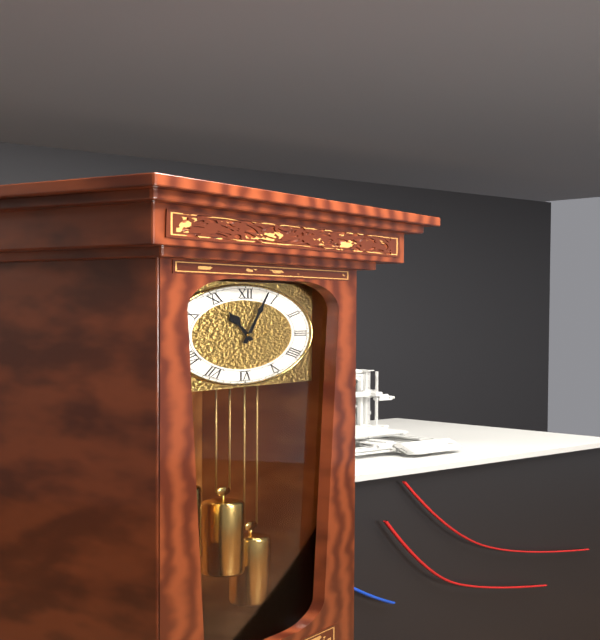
11,03
